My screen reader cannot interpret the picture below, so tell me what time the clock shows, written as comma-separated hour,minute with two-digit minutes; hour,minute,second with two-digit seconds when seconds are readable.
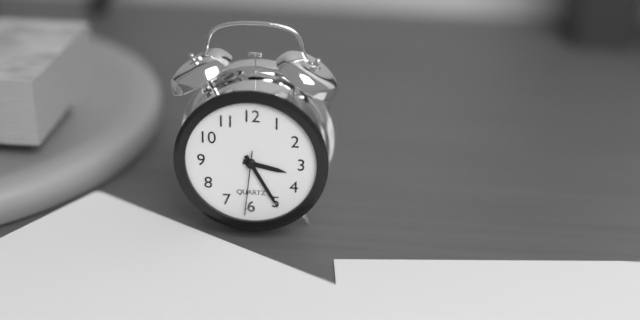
3,25,31
